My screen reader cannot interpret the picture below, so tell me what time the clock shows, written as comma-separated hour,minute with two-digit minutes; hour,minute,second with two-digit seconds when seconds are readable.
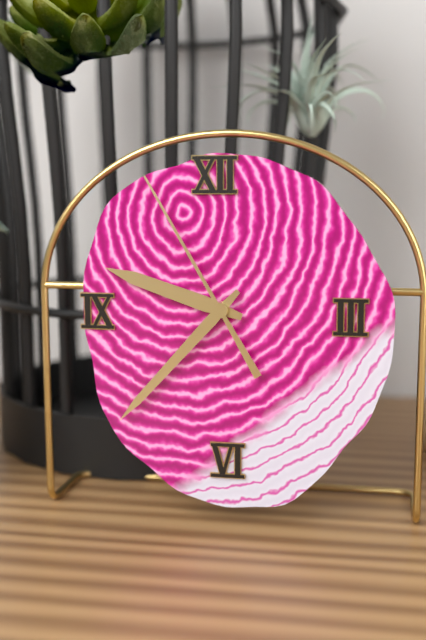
9,37,55
